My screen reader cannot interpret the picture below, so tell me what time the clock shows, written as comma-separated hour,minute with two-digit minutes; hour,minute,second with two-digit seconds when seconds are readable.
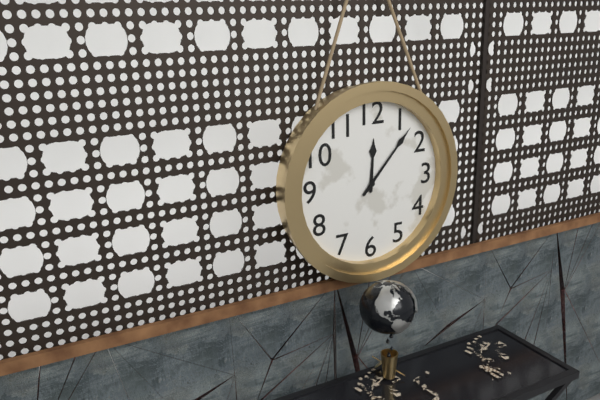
12,07
